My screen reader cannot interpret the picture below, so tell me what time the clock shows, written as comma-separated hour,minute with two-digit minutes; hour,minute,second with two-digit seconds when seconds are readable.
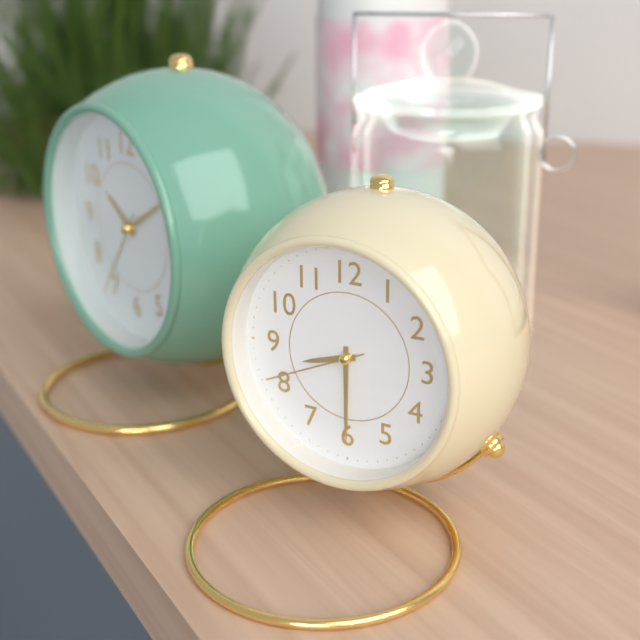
8,30,41
